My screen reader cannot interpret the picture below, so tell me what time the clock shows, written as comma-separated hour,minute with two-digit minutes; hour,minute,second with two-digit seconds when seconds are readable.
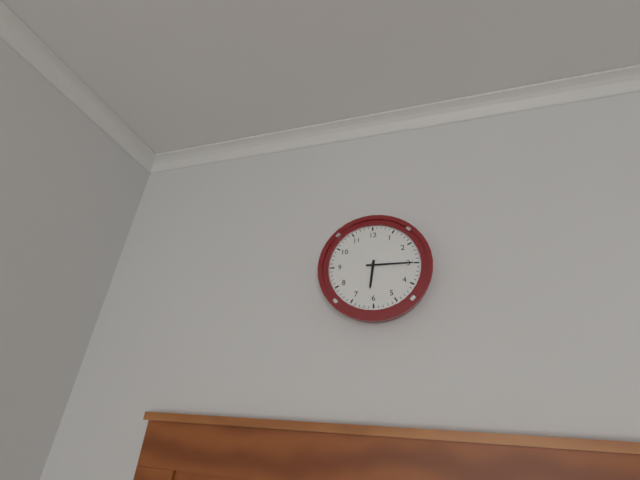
6,15
